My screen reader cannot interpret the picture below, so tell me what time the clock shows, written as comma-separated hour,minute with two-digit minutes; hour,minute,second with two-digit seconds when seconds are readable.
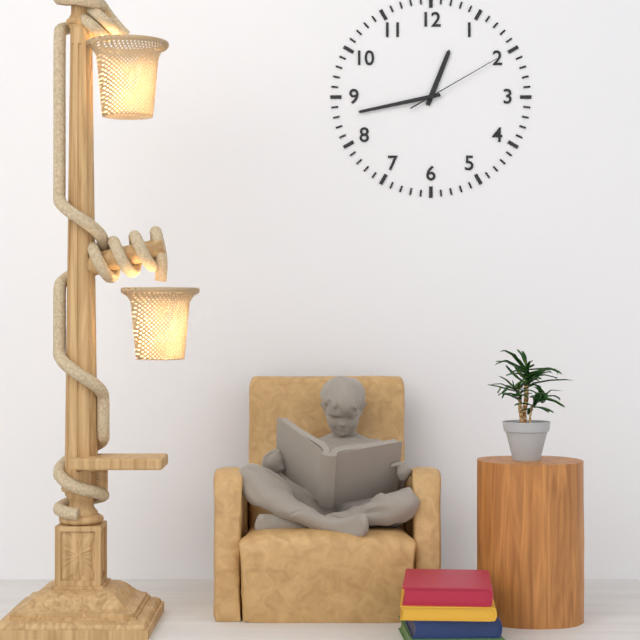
12,43,10
